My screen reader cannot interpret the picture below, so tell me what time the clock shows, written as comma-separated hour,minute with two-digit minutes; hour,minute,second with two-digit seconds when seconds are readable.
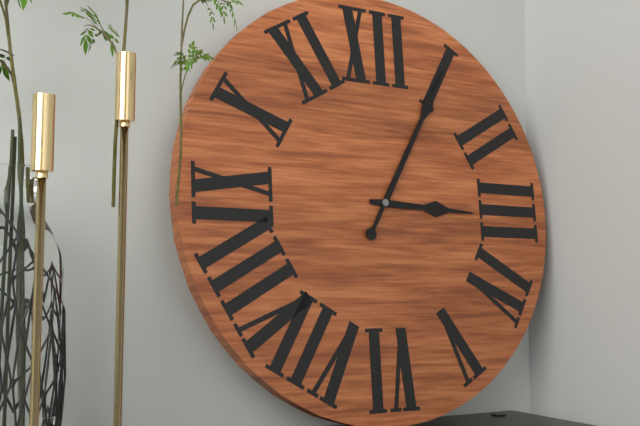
3,05
